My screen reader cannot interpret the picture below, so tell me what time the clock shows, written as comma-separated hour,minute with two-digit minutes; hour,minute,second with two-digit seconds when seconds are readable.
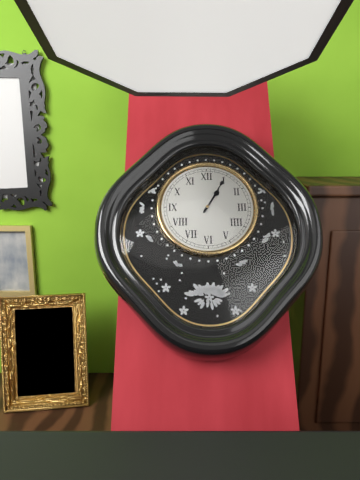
1,05
